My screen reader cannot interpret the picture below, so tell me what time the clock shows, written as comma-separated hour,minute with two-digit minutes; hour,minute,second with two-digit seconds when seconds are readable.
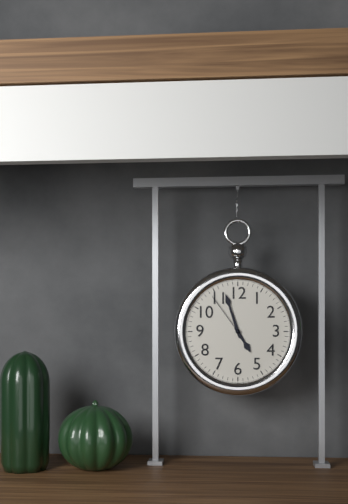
4,57,54
